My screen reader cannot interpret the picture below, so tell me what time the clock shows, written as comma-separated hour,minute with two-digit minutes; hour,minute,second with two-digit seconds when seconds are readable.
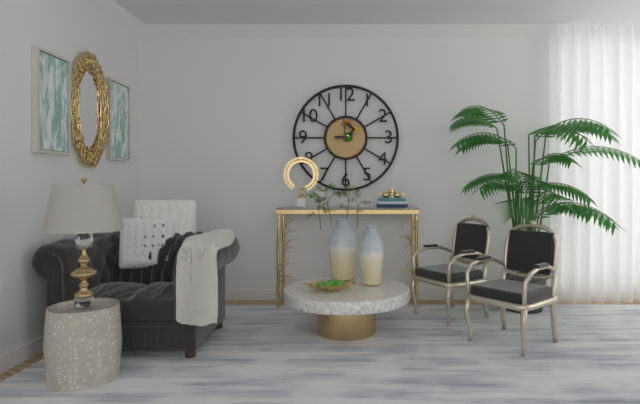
8,59
